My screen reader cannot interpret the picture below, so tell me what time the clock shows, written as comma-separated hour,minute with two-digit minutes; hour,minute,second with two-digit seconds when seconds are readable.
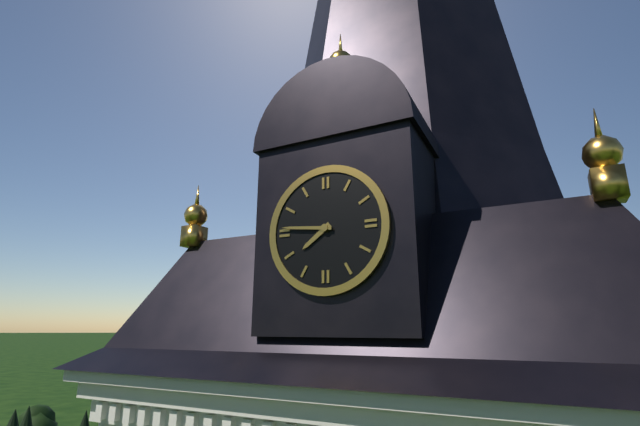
7,46
